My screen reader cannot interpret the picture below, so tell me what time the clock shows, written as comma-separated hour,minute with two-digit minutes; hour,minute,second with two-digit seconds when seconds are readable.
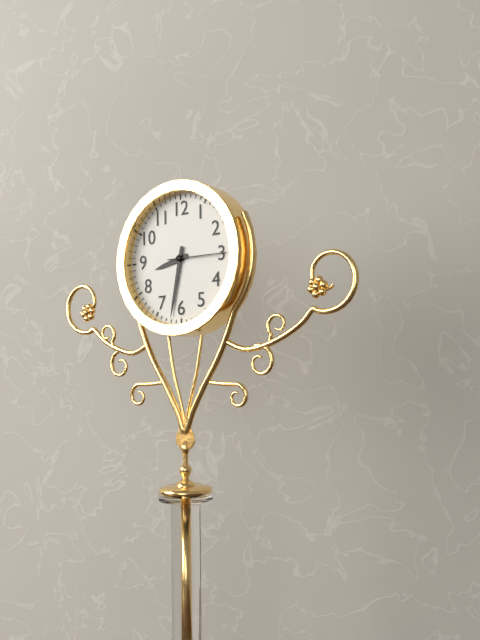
8,32,15
